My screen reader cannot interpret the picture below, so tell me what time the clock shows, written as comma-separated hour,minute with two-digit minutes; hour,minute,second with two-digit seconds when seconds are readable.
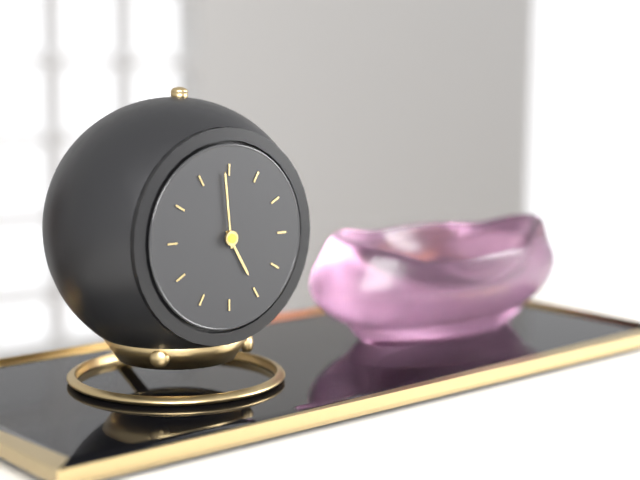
4,59
